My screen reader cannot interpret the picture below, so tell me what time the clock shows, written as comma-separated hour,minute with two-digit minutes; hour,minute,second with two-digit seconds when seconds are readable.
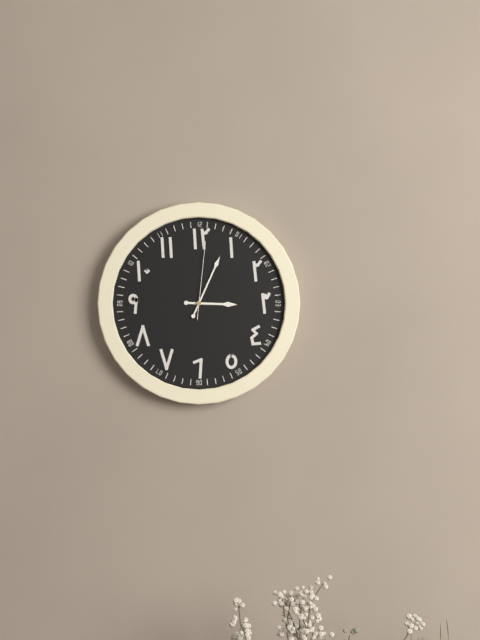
3,04,01
